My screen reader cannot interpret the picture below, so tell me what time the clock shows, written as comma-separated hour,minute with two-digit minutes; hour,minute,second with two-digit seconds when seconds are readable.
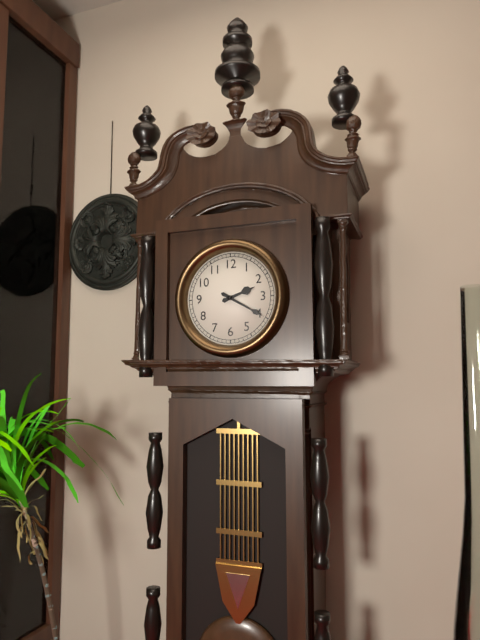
2,20
